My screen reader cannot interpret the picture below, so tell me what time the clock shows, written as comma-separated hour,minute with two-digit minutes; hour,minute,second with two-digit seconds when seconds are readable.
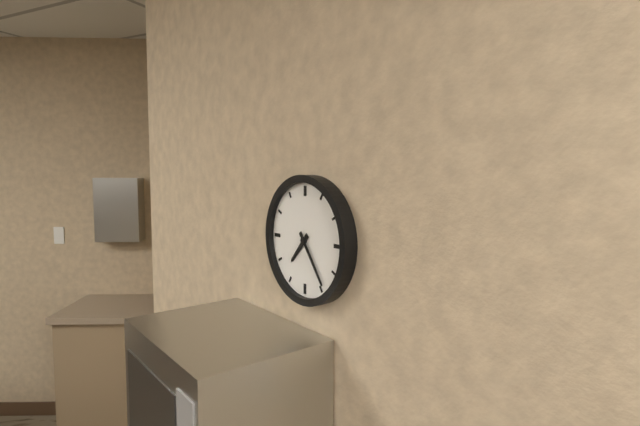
7,24
